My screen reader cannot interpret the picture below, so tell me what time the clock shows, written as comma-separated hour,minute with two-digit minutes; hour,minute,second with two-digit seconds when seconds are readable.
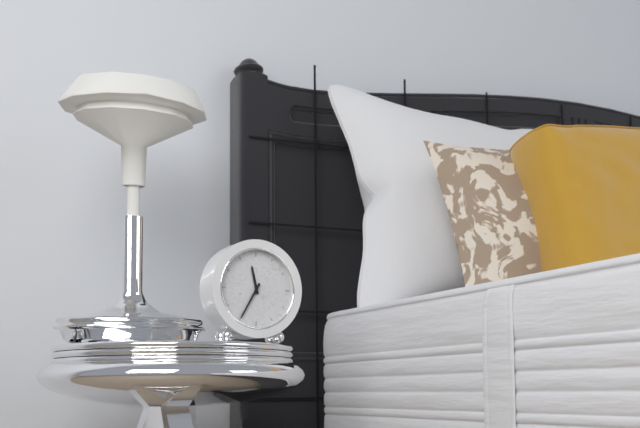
11,35
